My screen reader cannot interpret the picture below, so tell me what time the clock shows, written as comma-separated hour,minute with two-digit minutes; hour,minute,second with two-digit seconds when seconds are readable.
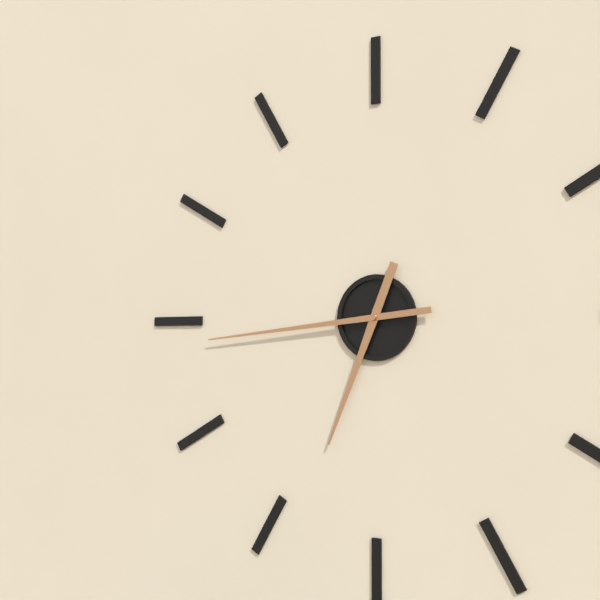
6,44
